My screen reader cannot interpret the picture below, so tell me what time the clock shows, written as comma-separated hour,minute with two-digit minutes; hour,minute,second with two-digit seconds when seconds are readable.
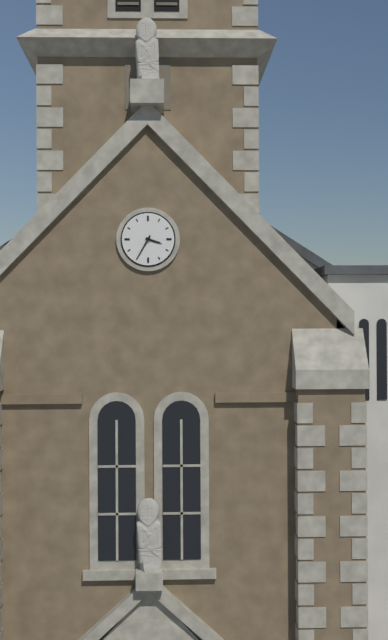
3,35
